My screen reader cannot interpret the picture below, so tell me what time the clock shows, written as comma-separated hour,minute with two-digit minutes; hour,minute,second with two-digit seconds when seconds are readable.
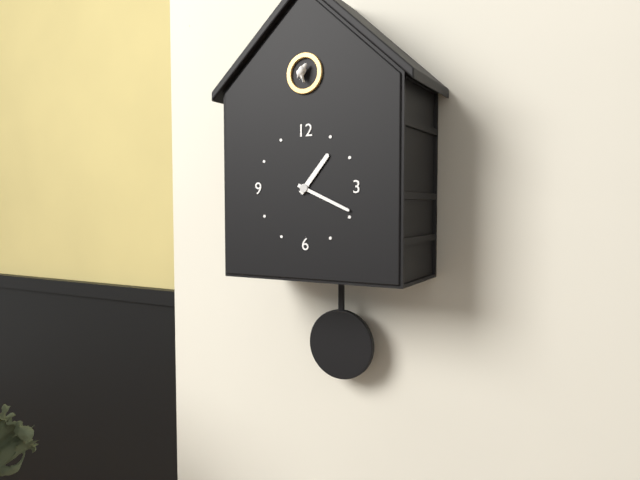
1,19
